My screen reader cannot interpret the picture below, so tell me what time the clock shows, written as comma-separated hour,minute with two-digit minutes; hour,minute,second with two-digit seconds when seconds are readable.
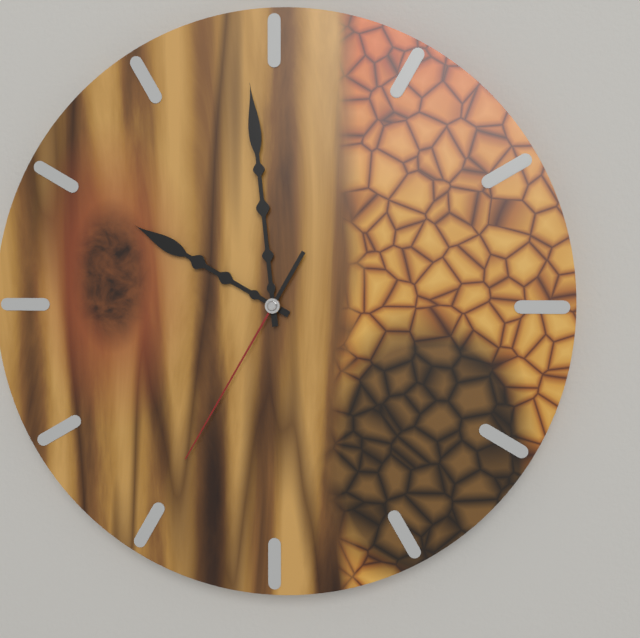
9,59,35
